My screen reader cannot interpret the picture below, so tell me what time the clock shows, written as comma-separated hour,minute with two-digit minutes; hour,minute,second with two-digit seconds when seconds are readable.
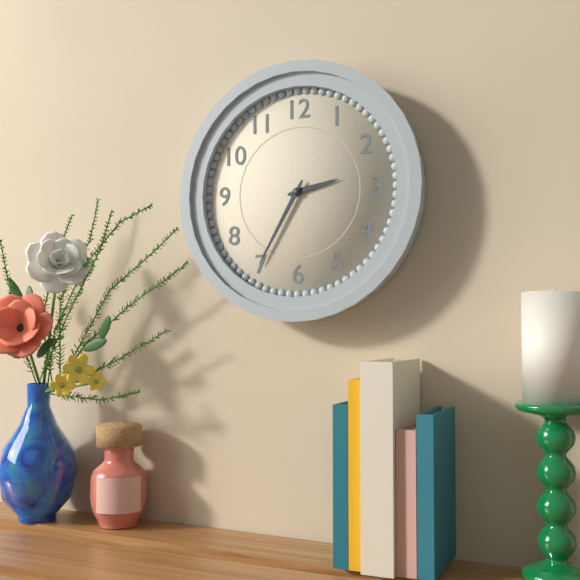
2,35
